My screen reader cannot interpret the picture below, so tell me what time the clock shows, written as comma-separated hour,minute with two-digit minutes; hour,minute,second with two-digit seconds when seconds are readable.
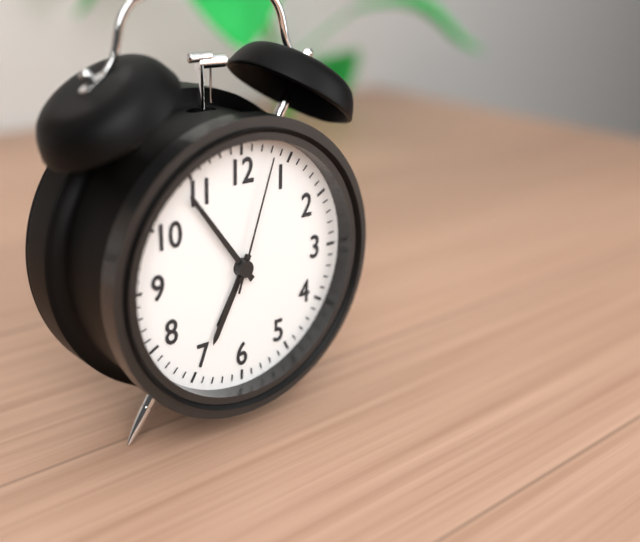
6,54,03
